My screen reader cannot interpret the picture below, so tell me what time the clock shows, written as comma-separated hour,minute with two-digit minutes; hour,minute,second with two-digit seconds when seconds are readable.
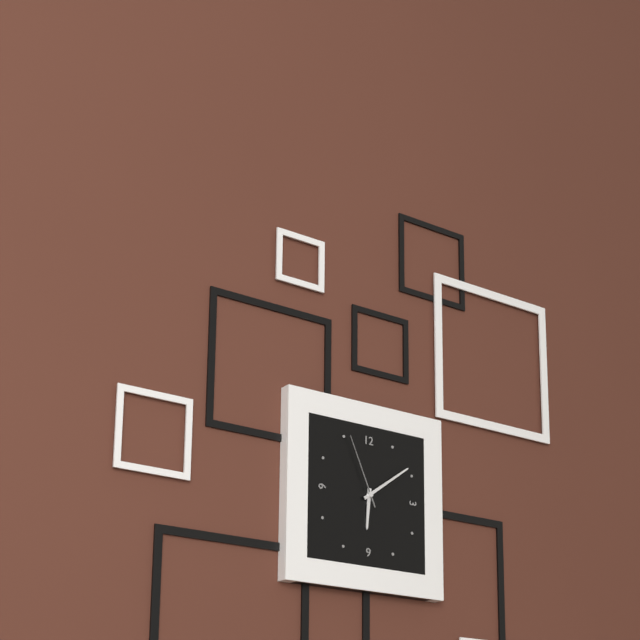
6,09,56
